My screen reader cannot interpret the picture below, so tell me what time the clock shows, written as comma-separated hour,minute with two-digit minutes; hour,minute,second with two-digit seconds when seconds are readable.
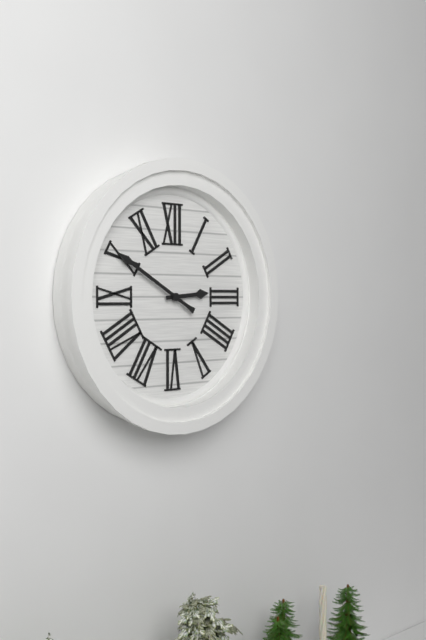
2,50
